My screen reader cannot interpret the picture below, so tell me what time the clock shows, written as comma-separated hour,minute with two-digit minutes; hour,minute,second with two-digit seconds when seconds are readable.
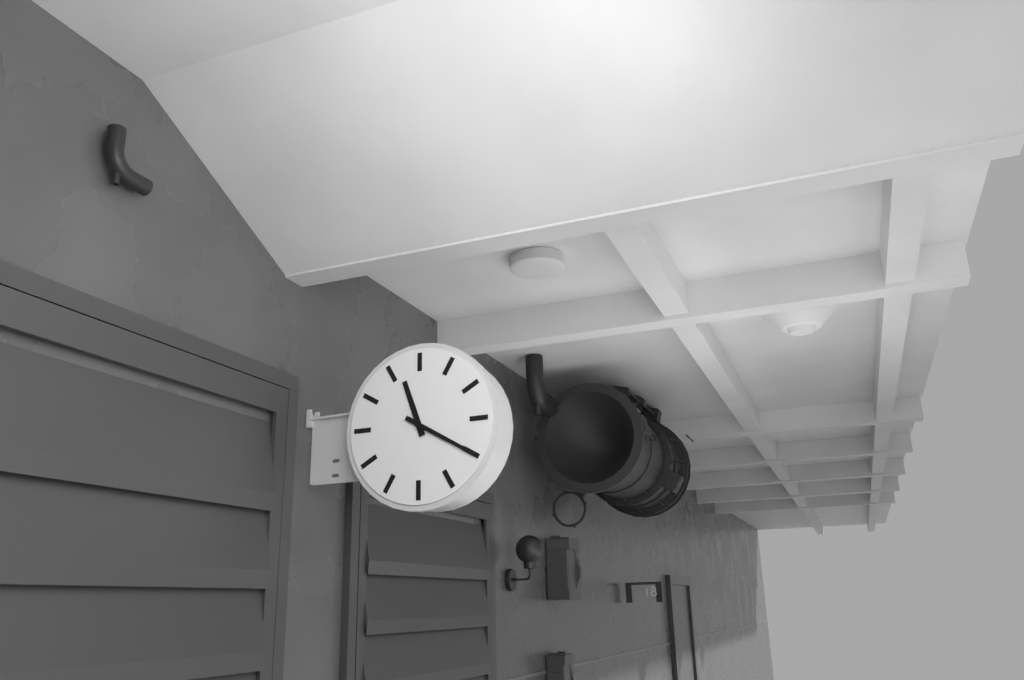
11,20
